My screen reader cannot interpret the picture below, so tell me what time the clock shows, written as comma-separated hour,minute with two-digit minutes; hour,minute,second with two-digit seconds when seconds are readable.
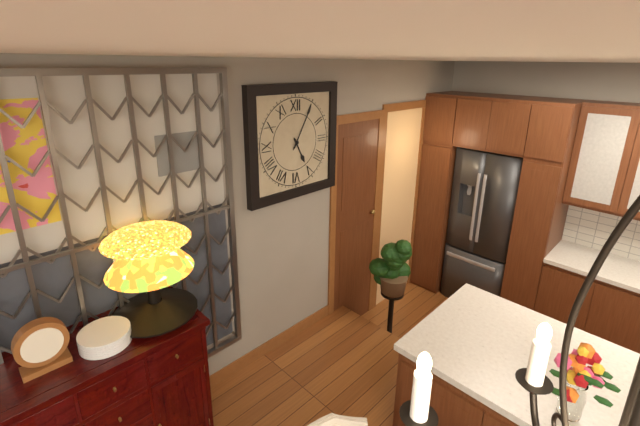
5,05
